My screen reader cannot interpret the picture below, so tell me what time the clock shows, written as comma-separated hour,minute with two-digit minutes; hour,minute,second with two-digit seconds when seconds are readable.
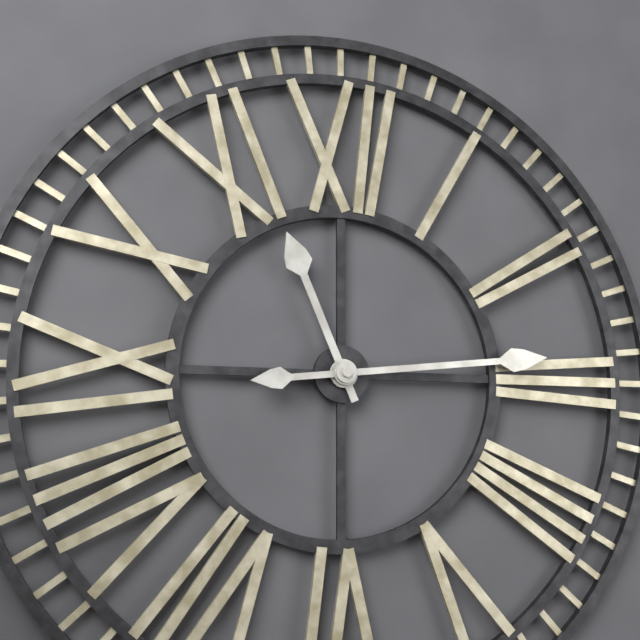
11,14
